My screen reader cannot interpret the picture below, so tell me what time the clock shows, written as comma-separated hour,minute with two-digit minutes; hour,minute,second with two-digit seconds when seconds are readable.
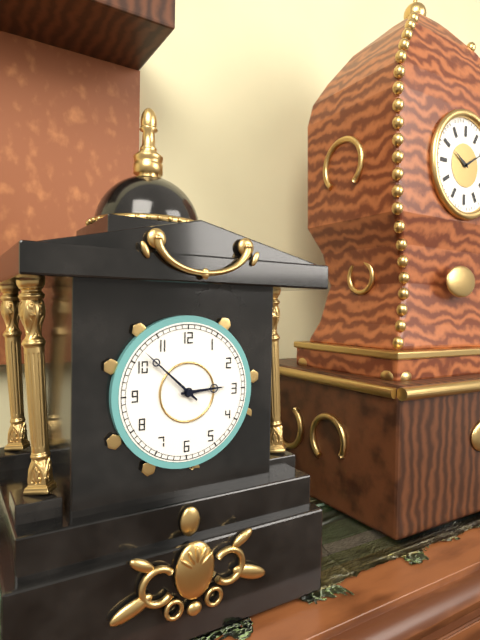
2,52
